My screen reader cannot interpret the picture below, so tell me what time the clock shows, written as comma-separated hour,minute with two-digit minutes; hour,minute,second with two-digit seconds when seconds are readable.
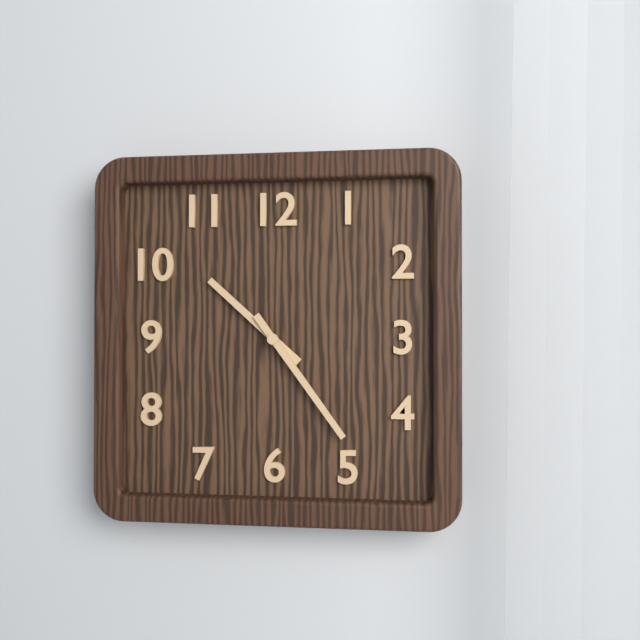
10,24
